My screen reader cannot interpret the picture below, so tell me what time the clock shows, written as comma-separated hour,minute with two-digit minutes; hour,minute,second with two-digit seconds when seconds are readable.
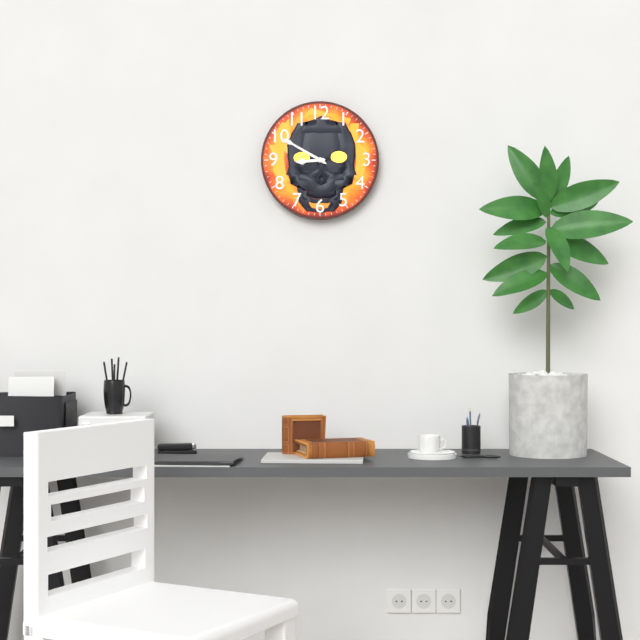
8,50
